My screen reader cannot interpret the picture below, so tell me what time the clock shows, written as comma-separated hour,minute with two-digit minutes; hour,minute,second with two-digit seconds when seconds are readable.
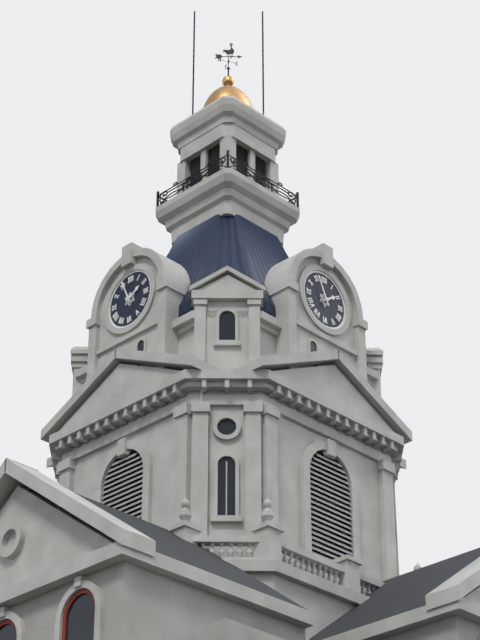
1,56
